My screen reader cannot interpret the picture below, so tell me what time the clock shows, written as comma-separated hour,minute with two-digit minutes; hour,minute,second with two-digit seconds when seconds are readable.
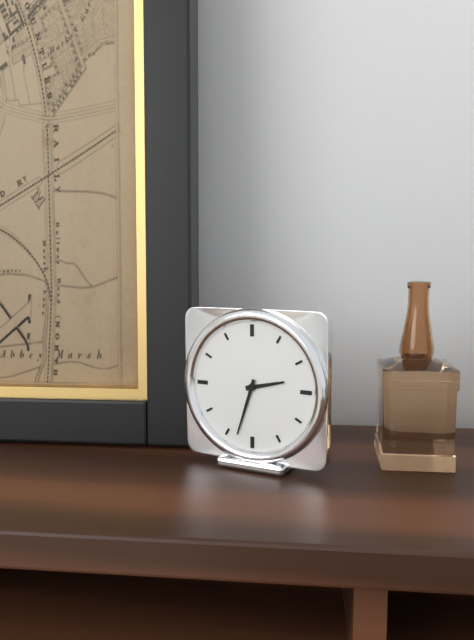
2,33
